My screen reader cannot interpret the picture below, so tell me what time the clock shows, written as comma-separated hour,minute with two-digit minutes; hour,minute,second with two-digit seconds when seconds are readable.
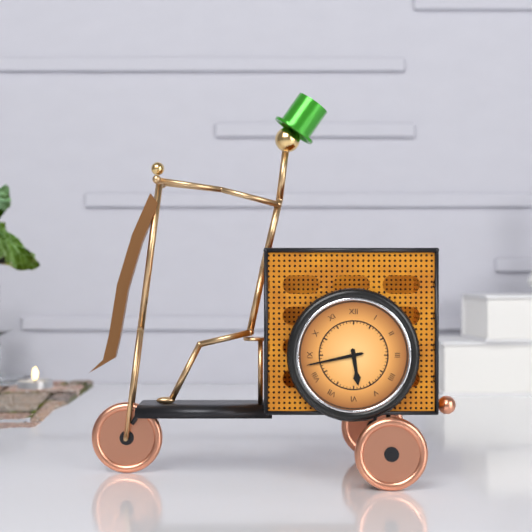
5,43
